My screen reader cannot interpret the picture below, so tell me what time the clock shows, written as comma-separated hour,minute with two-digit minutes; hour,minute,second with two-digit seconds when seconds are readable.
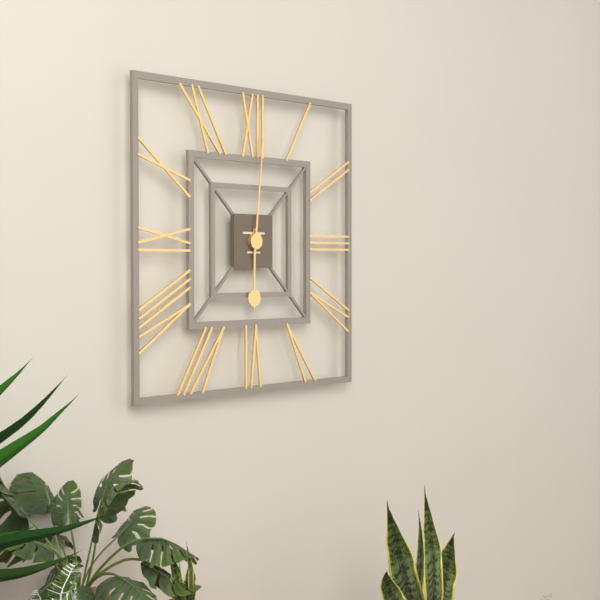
6,01
